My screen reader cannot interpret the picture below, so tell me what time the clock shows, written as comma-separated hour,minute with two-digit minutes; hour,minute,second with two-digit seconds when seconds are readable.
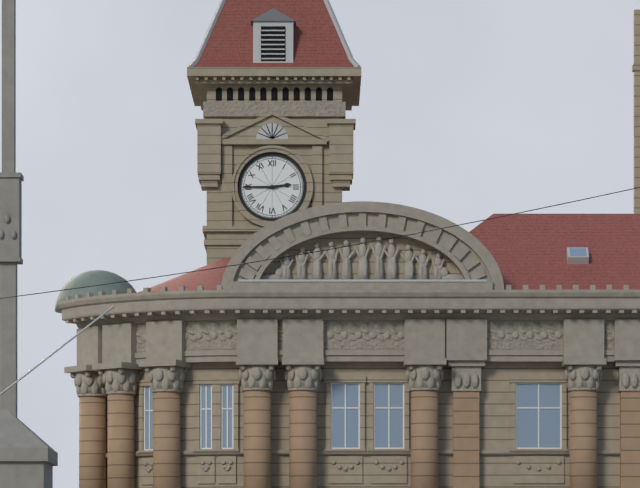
2,45
